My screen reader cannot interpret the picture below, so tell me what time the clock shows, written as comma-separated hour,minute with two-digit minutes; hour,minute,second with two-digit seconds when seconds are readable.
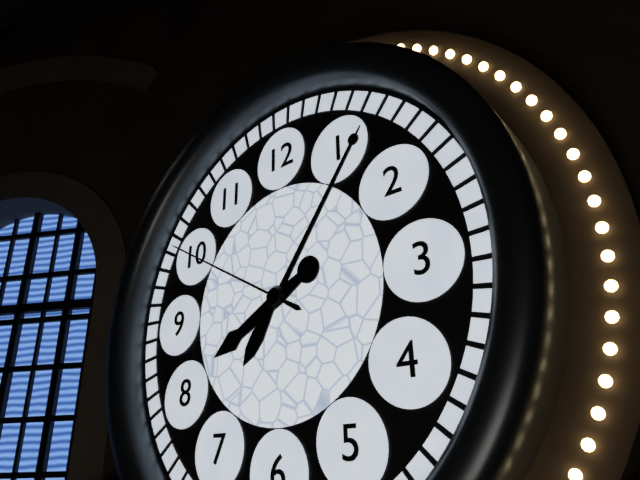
8,06,50
